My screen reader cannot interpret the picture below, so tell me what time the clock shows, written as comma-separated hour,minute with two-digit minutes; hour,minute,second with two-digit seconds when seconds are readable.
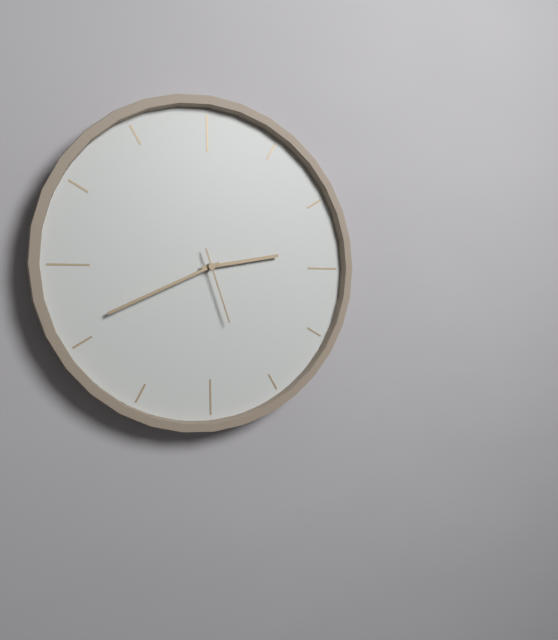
2,41,27
